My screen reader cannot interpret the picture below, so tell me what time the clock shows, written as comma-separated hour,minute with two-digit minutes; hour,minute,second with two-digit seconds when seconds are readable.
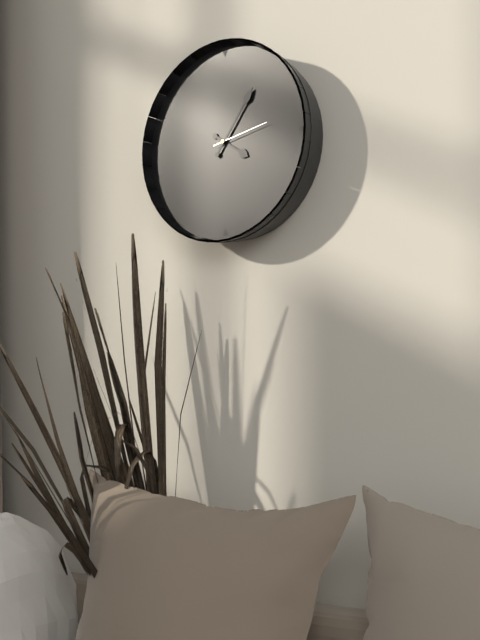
4,06,13
